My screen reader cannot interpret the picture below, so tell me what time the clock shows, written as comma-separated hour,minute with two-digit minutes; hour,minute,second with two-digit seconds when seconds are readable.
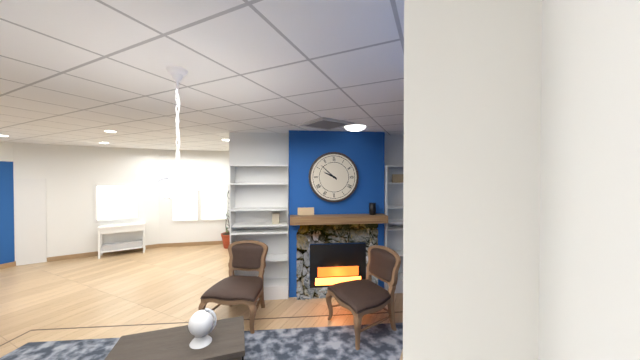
9,52
